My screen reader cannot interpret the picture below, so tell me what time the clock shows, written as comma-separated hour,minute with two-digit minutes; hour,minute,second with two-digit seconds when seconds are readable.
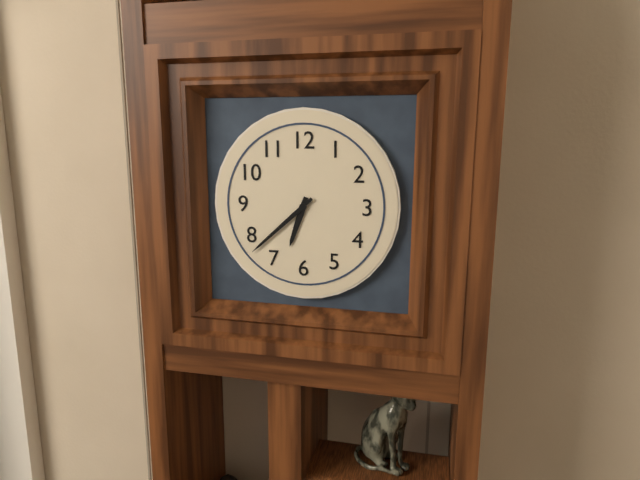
6,38
